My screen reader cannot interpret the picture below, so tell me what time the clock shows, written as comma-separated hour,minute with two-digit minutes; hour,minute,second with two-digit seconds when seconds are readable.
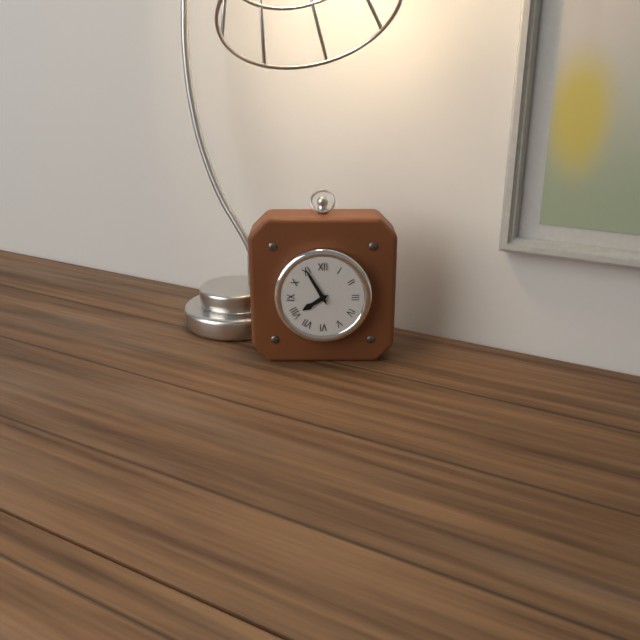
7,55
